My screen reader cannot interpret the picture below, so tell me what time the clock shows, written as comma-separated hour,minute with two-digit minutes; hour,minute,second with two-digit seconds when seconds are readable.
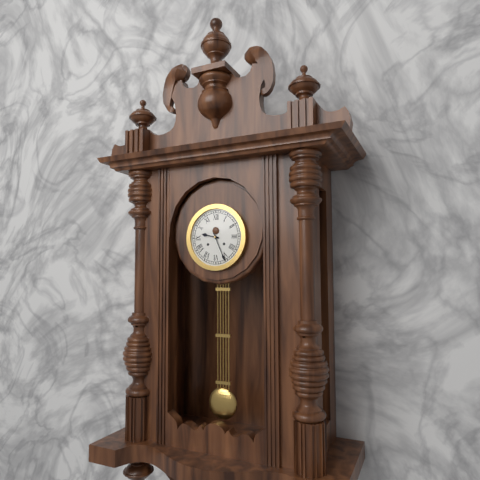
9,26
